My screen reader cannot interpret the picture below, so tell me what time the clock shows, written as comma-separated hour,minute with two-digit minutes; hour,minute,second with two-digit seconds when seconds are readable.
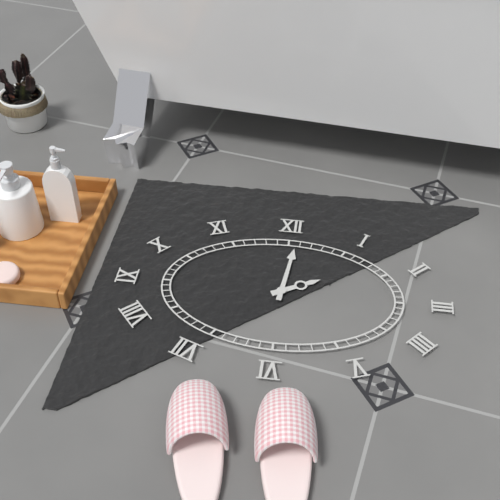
2,01
